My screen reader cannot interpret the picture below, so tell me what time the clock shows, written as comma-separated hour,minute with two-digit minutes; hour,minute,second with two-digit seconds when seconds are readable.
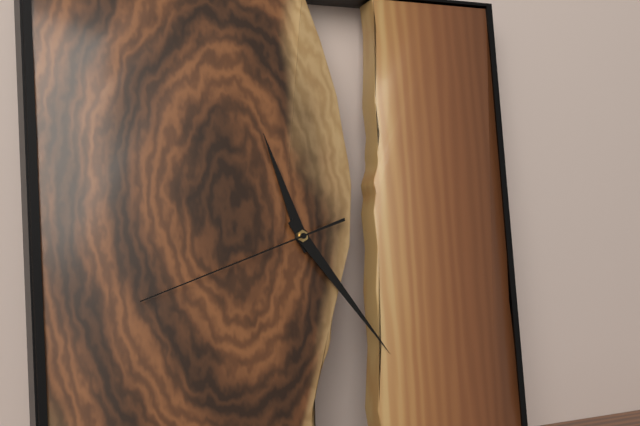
11,24,42
